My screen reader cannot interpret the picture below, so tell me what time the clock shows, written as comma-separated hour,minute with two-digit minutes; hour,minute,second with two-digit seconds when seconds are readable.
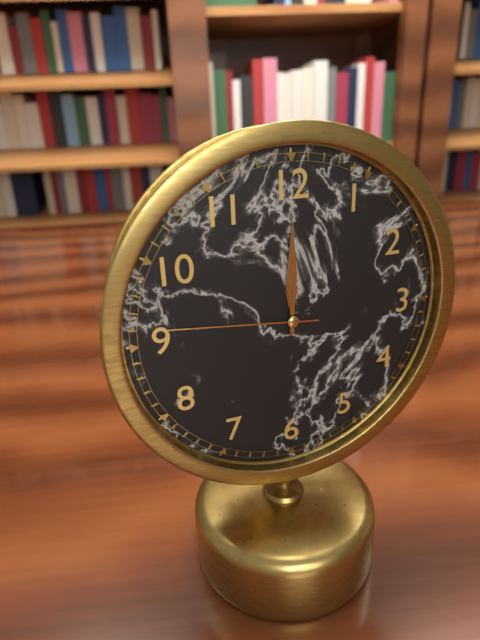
12,00,46
